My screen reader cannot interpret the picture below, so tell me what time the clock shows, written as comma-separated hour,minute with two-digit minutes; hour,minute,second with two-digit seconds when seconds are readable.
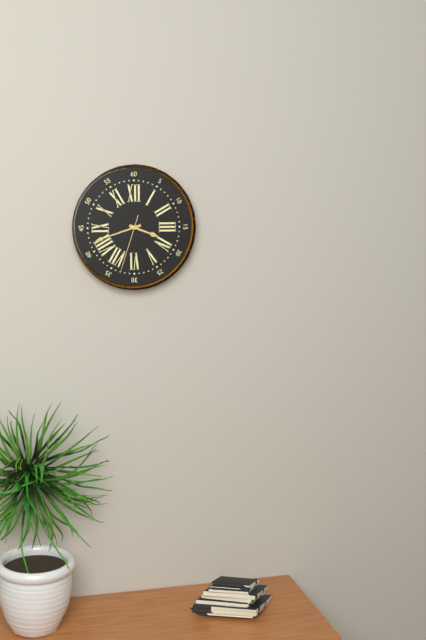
3,42,33
